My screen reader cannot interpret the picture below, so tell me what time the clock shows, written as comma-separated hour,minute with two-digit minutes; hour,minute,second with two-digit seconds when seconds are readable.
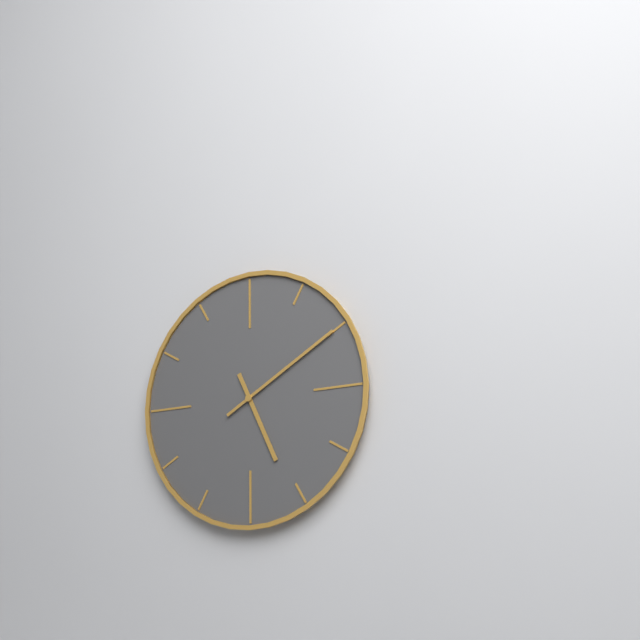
5,10
